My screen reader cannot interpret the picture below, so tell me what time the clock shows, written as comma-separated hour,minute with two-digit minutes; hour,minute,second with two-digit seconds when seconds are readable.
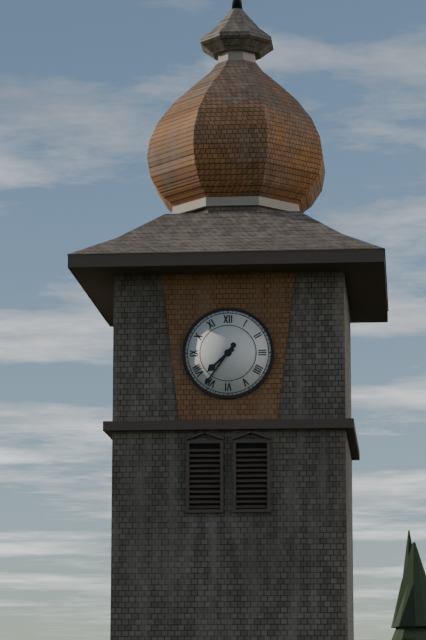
7,36
